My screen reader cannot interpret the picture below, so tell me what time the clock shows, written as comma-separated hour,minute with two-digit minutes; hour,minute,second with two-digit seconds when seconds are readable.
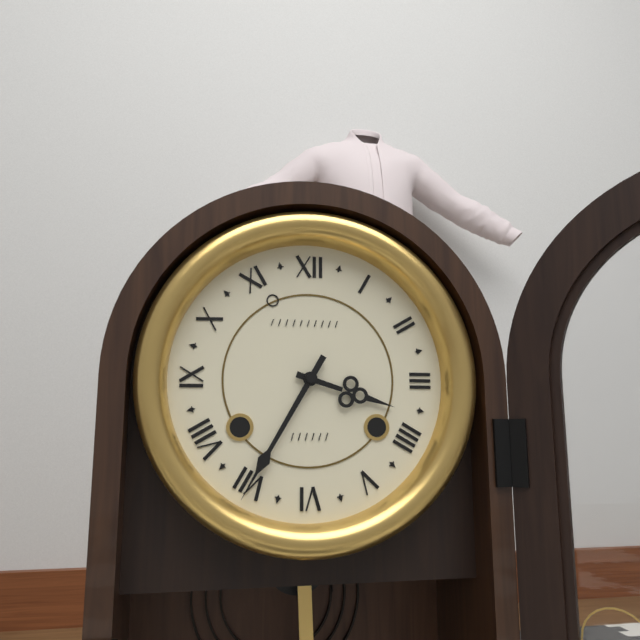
3,35
